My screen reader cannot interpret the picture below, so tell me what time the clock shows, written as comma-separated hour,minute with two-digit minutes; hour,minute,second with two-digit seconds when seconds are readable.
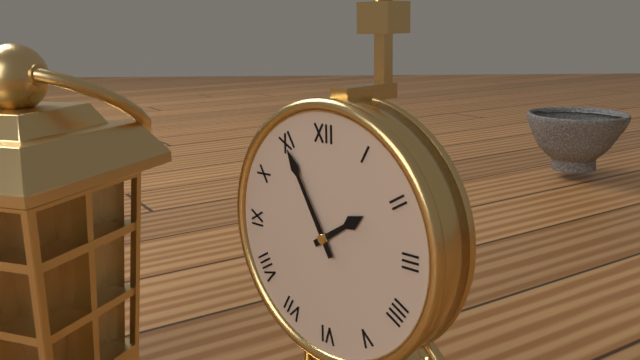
1,55
